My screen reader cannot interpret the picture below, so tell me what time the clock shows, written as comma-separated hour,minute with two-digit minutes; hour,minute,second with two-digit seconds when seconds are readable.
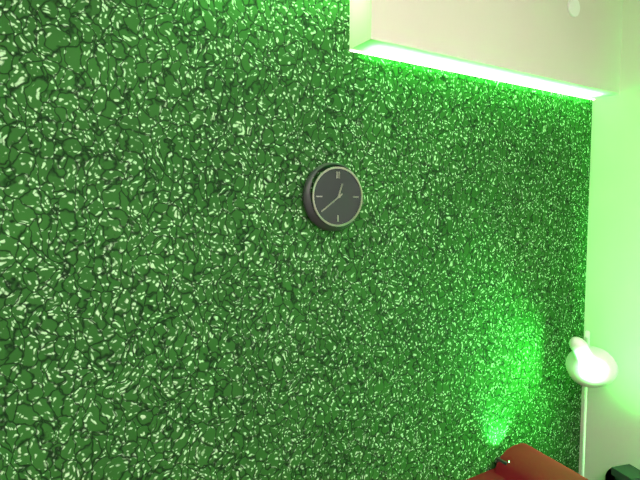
12,39
